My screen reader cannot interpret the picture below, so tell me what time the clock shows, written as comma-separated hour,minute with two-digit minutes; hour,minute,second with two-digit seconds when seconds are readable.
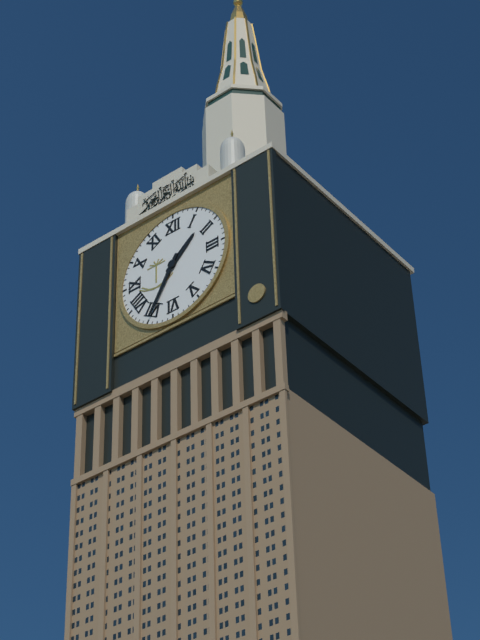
1,35
